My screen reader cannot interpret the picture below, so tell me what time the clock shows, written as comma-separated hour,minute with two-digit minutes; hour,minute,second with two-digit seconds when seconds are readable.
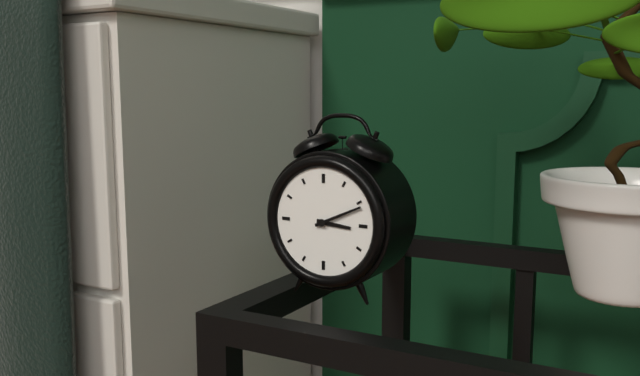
3,11
